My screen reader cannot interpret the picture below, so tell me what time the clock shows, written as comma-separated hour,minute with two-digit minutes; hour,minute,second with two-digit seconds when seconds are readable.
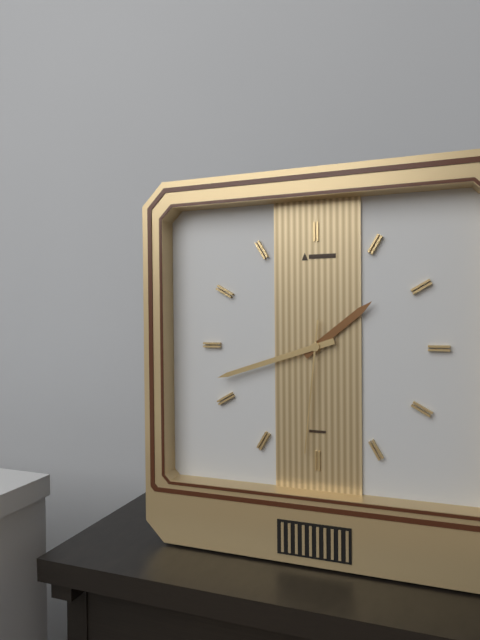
1,42,31
